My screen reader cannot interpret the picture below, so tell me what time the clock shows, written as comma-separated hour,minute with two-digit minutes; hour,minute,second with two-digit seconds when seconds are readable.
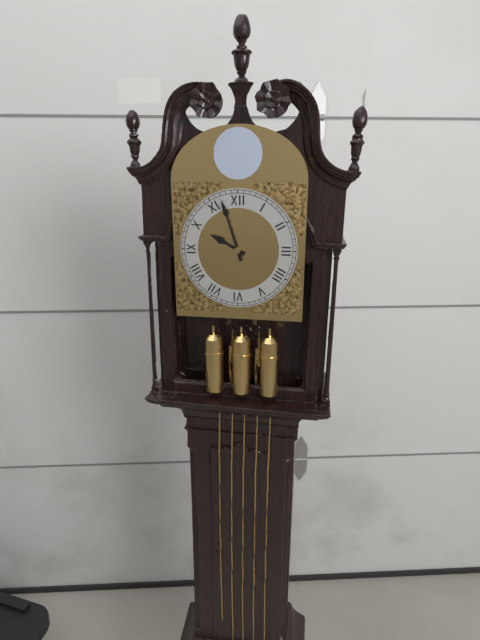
9,57
